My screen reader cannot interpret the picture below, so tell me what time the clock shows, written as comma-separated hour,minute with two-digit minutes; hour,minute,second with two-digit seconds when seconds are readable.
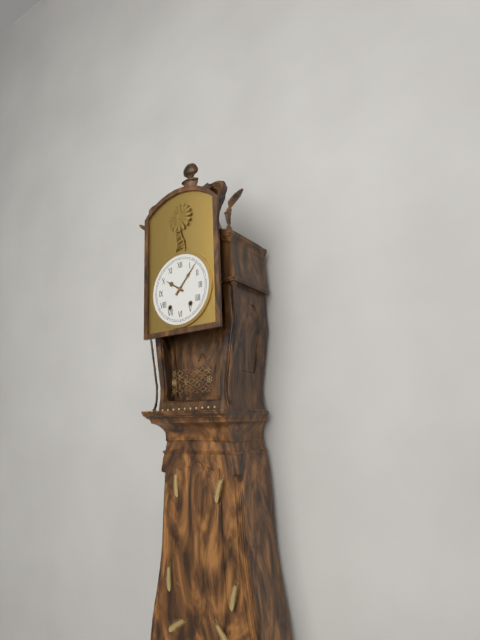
10,07
